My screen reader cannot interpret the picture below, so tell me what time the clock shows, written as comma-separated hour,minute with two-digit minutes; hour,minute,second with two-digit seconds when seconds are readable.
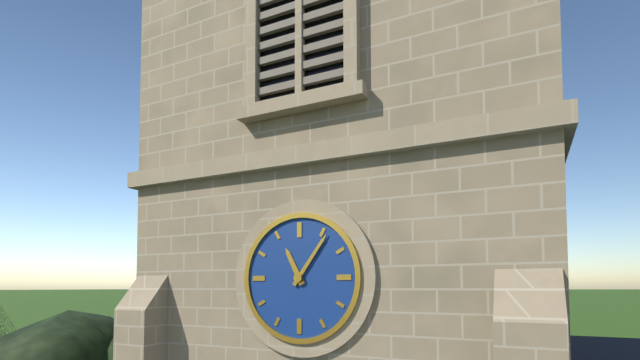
11,06
